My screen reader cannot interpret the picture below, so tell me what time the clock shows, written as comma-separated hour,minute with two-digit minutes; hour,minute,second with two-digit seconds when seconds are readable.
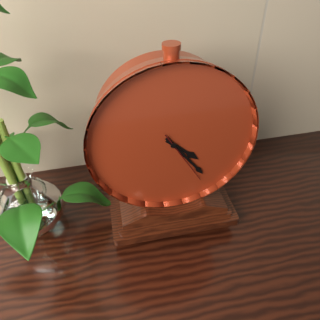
4,24,25
